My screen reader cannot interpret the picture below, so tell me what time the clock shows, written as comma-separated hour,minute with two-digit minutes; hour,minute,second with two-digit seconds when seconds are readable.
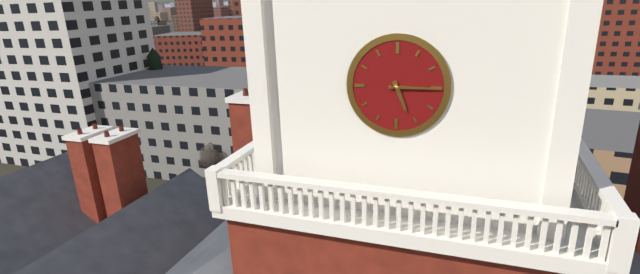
5,15
